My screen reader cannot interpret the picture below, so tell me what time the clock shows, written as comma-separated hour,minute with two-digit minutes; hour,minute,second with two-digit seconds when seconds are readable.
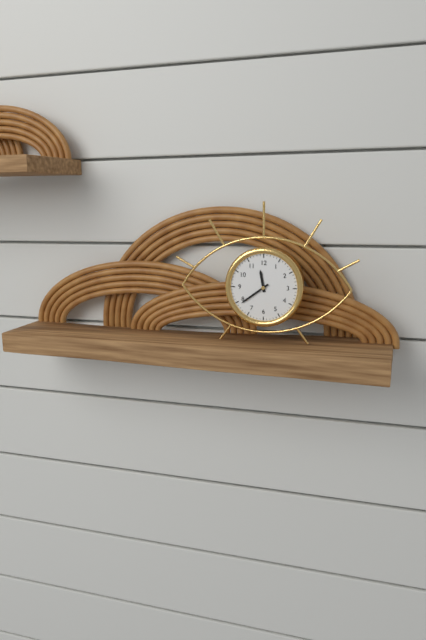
11,39
